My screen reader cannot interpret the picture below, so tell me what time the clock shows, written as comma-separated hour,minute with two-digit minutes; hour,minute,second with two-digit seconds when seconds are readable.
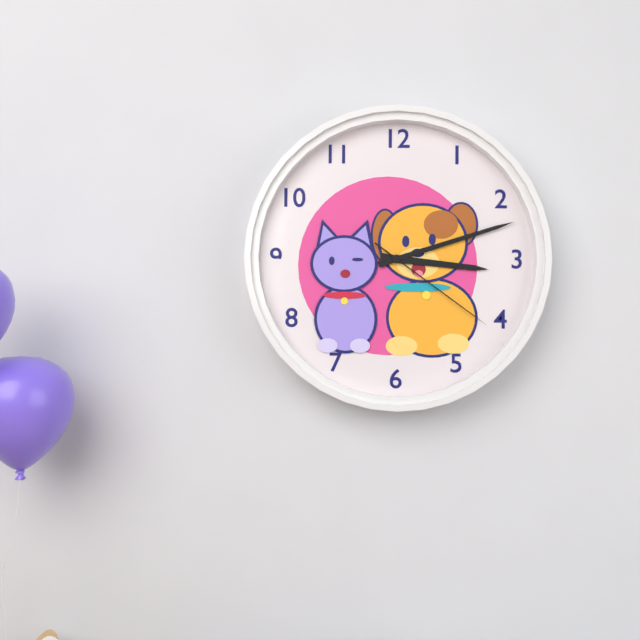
3,12,21
